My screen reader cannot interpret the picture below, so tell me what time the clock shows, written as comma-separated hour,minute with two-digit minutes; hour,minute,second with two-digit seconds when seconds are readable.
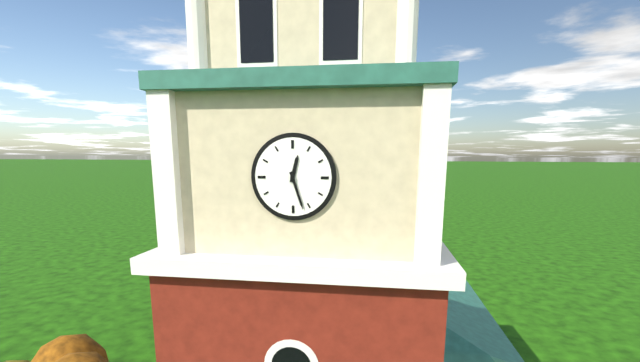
12,27
